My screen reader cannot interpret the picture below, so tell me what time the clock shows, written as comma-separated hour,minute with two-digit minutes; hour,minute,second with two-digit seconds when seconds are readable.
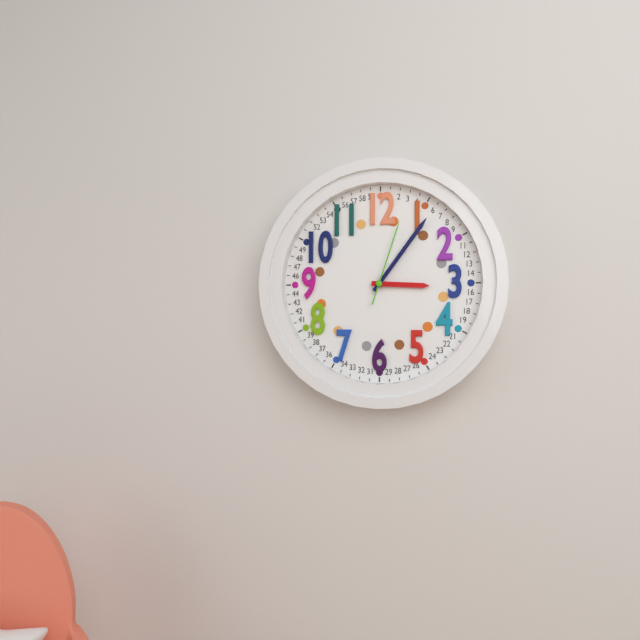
3,06,03
